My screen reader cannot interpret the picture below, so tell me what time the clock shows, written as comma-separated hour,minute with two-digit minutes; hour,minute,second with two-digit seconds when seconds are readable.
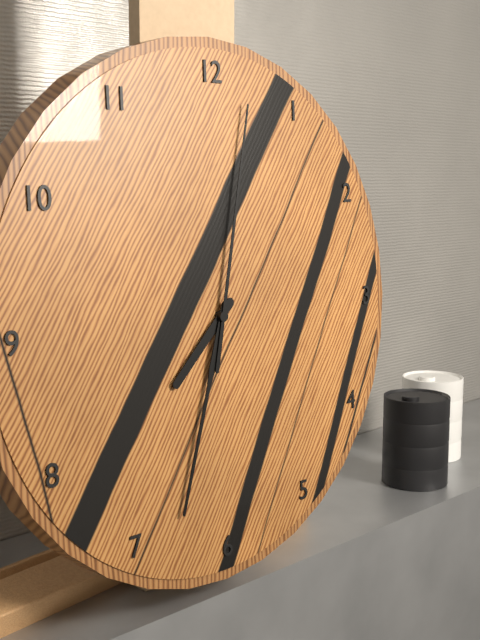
7,33,02
